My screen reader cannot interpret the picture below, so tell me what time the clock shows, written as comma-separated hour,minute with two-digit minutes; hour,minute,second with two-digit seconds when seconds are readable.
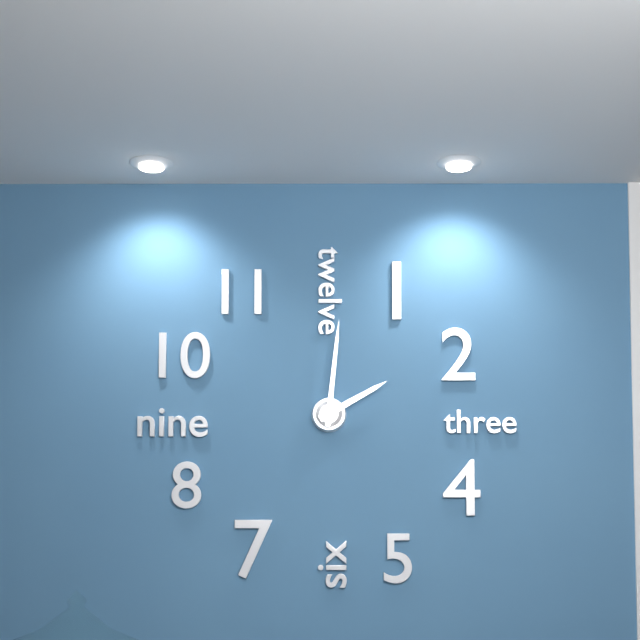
2,01
